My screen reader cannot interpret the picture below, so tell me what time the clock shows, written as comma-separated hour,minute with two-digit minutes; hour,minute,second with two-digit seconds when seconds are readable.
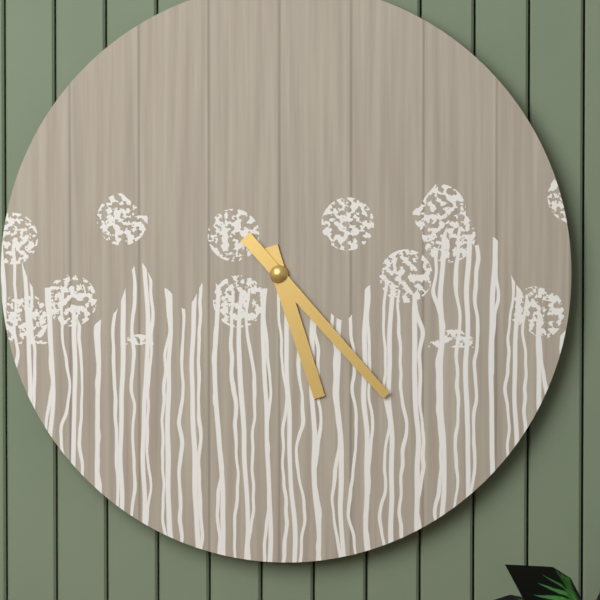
5,23
